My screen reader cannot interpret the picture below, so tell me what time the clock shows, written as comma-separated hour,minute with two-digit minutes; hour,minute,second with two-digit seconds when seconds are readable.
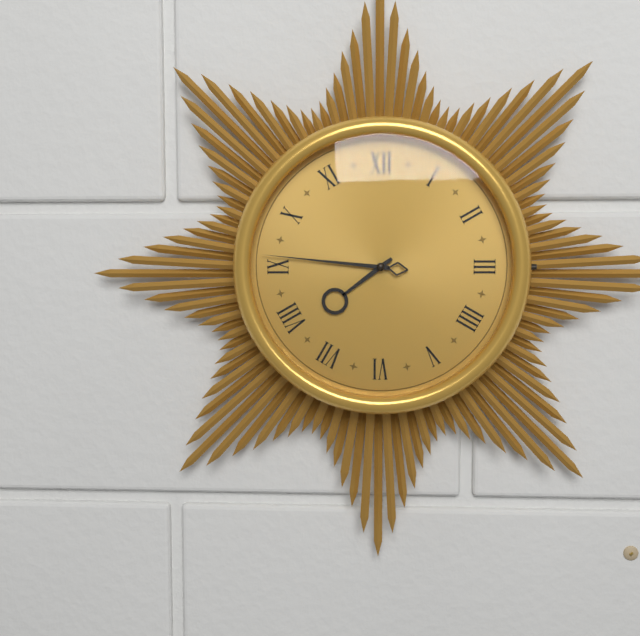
7,46
